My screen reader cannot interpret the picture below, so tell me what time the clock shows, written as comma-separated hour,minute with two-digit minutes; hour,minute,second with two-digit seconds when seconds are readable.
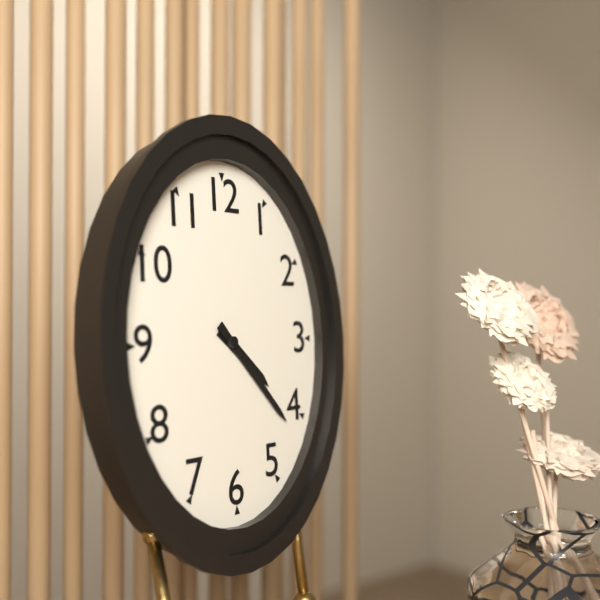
4,23
